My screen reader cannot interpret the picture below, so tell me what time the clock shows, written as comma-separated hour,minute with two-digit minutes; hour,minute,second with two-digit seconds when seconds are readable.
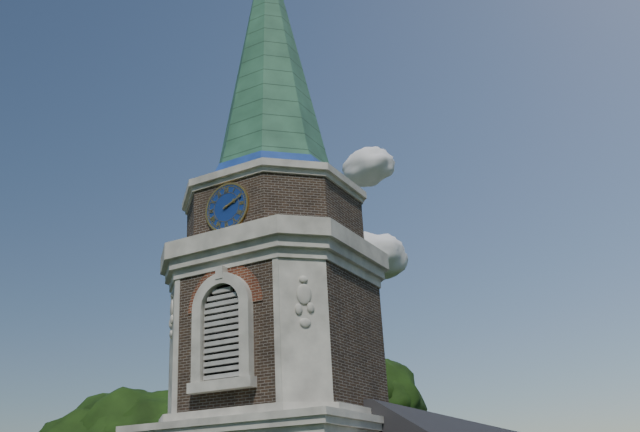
2,11
